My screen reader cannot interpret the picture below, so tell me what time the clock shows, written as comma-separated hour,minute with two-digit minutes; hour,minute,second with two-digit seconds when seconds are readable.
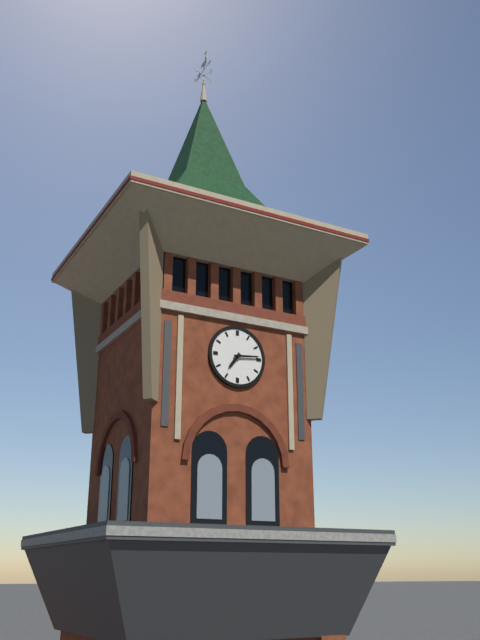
7,14
